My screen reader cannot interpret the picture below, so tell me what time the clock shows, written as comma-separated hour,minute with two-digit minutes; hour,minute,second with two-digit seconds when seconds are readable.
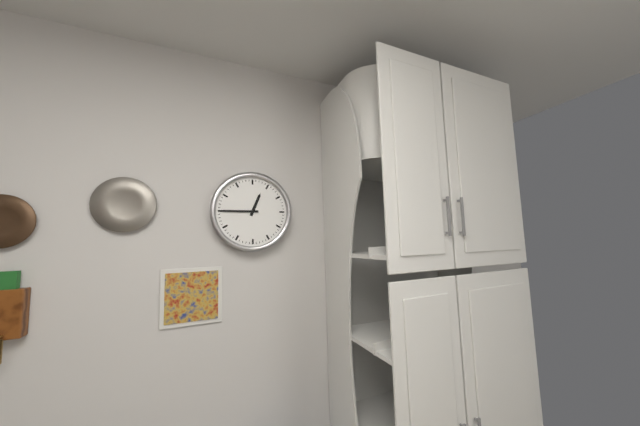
12,45
